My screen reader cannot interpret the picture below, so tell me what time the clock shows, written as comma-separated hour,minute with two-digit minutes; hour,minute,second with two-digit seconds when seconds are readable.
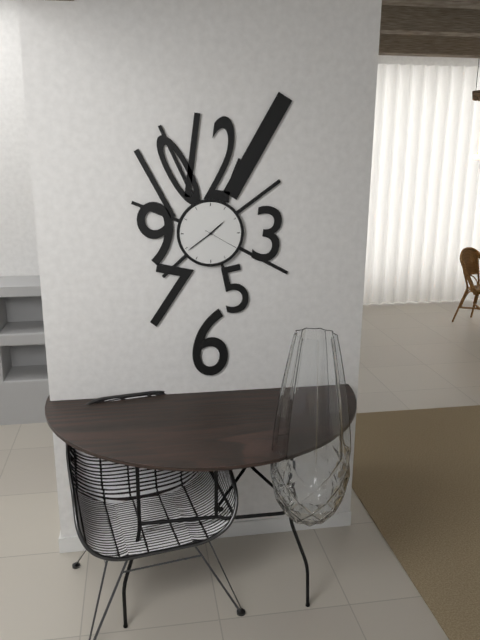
1,39
